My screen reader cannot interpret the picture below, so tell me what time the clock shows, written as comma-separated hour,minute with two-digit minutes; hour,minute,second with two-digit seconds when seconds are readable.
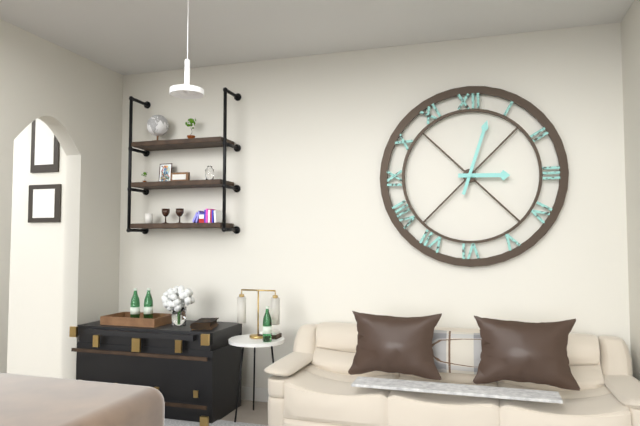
3,03
